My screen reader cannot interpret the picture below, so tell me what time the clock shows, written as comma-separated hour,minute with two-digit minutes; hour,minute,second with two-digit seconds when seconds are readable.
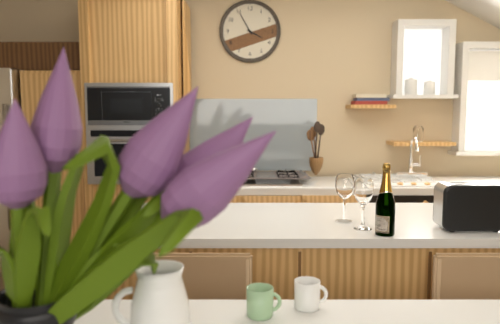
3,55
